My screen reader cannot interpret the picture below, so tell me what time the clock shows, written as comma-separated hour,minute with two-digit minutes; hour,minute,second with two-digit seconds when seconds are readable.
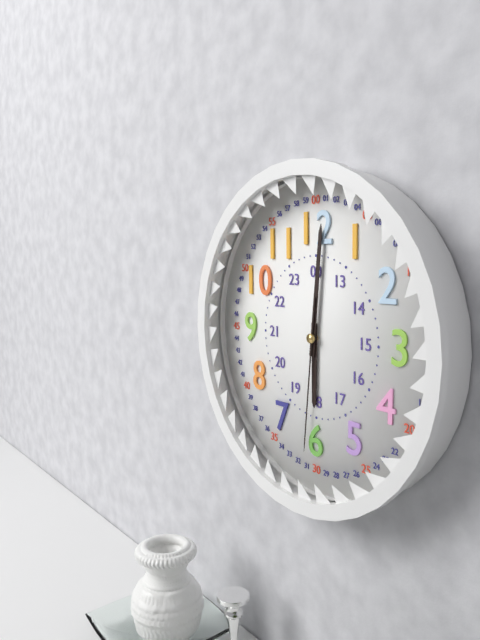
6,01,31
